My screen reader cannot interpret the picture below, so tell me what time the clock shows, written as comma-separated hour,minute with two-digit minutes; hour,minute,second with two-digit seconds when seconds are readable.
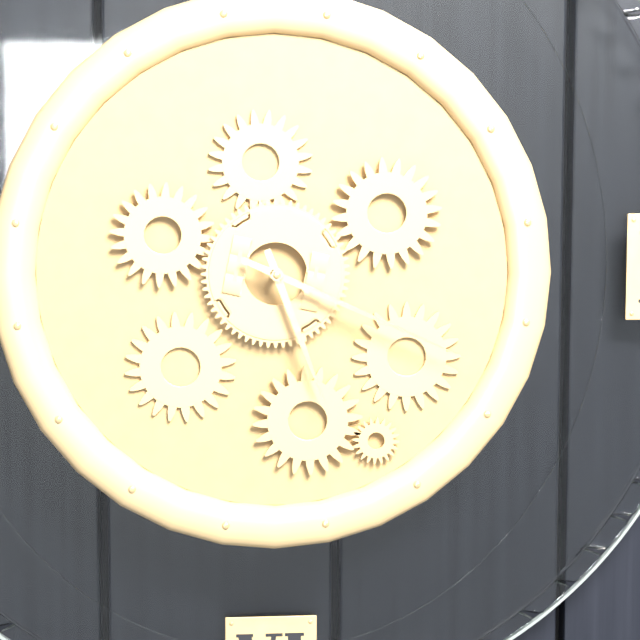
5,19
